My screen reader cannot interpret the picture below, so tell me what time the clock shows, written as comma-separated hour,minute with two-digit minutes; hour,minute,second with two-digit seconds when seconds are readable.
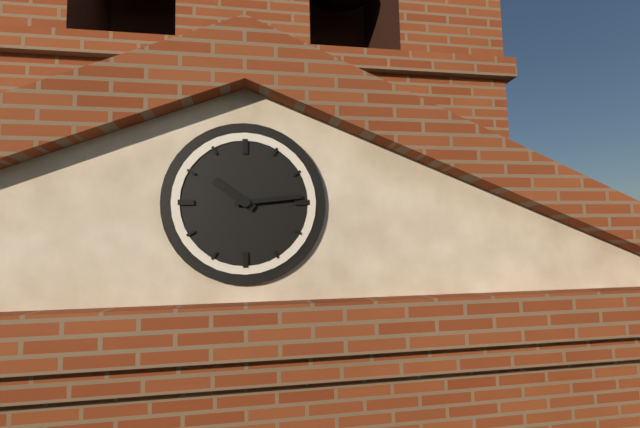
10,14
